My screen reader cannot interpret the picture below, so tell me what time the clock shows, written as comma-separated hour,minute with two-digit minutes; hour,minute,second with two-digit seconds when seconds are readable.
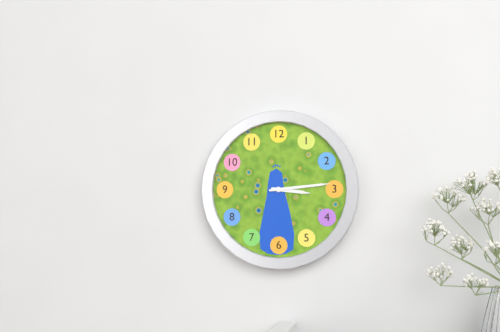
3,14
